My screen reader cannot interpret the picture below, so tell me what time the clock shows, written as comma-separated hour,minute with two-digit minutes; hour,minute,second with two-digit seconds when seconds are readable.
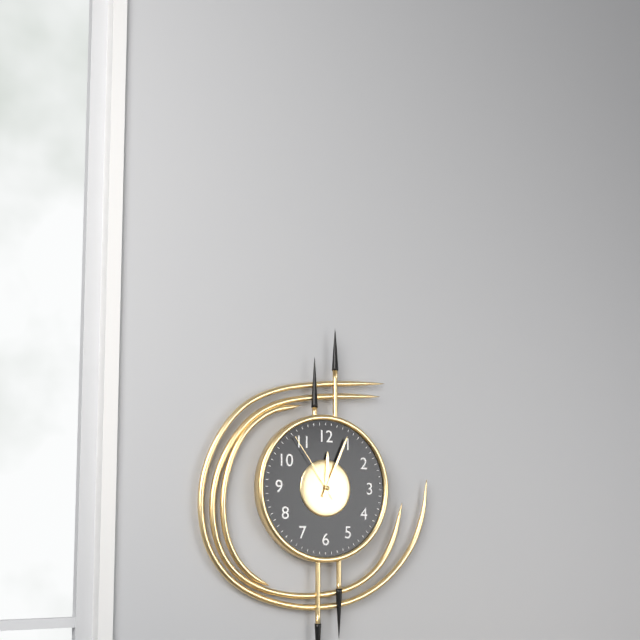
12,04,54
